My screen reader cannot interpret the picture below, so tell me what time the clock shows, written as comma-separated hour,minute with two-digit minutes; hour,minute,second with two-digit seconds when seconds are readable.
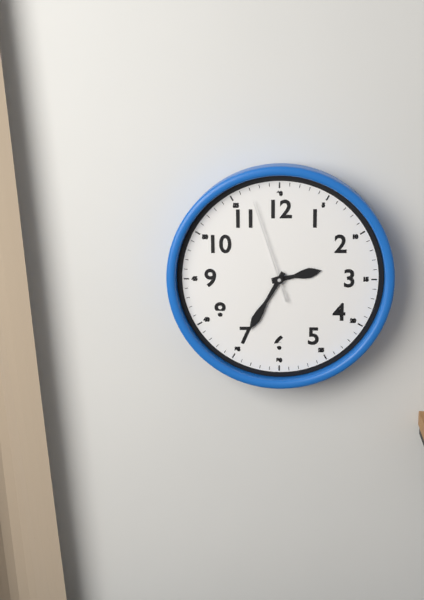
2,35,57
